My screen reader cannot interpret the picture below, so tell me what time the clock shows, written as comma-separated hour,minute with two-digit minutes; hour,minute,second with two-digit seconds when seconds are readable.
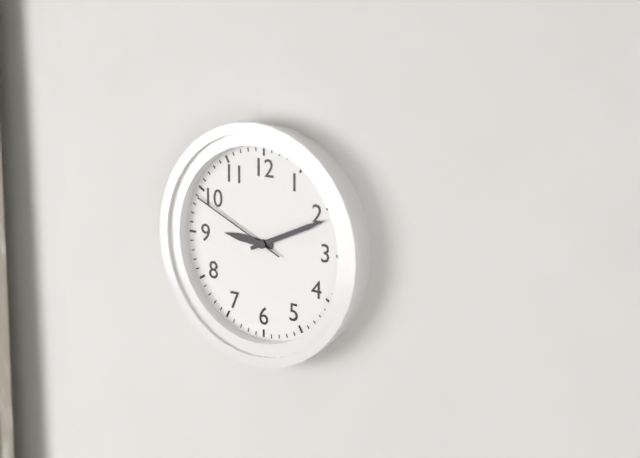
9,11,49
